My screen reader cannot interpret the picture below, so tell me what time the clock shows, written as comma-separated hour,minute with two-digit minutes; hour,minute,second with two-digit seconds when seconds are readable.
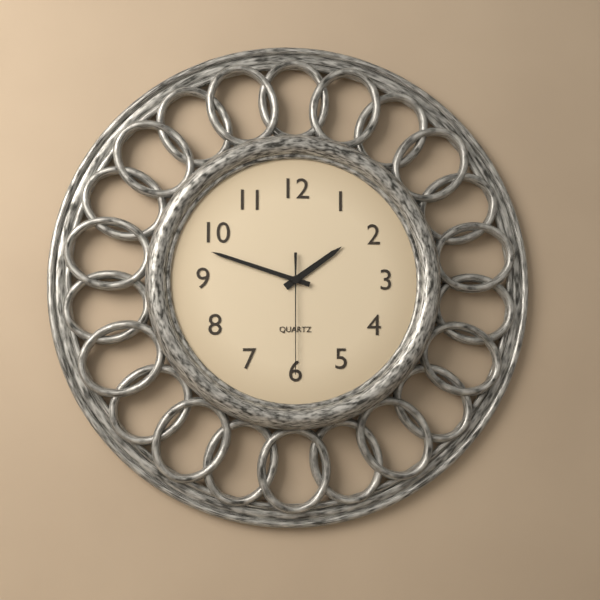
1,48,30
